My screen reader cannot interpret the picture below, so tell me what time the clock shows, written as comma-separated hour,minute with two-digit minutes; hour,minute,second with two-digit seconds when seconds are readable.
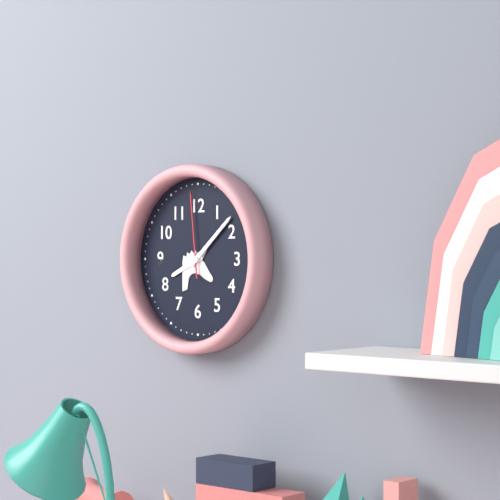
8,08,59
